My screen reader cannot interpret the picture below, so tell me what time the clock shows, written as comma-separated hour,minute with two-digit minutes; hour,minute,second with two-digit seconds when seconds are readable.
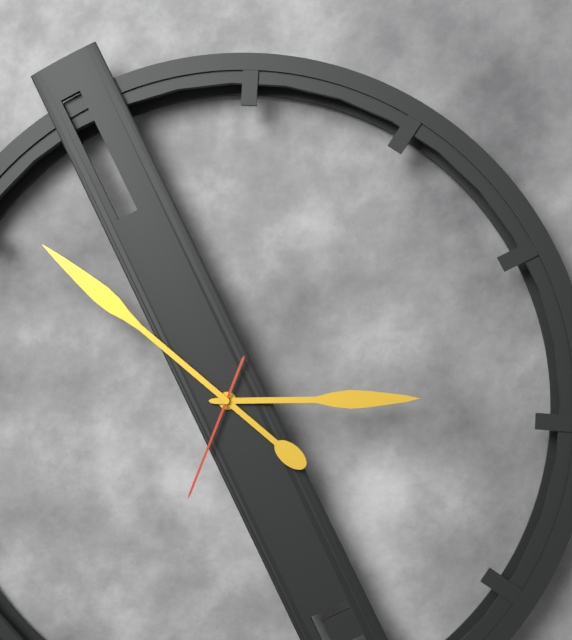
2,51,33
